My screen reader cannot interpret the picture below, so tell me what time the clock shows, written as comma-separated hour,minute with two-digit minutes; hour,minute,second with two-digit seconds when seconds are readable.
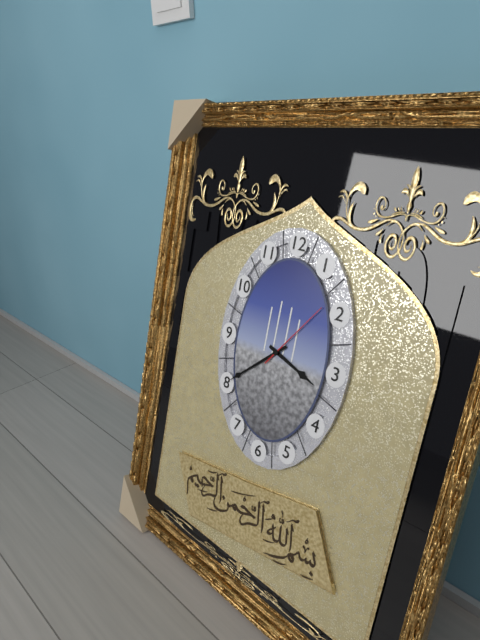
3,38,06
